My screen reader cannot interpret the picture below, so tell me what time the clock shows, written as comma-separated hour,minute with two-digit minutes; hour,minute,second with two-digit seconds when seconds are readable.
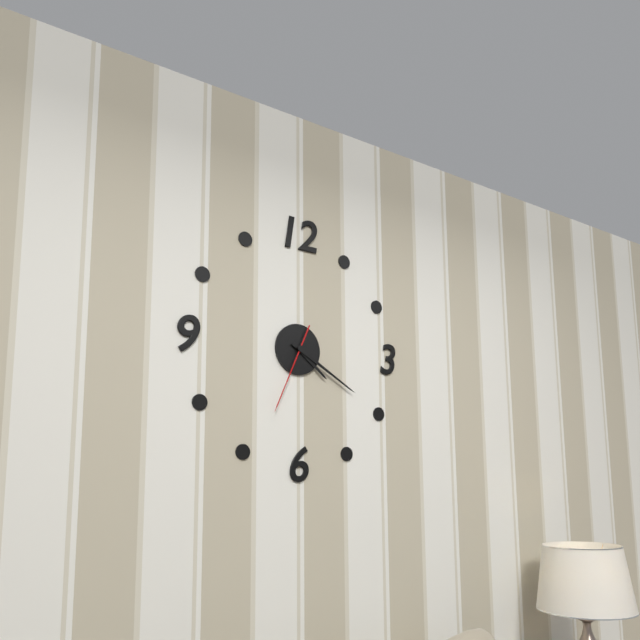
4,20,34
